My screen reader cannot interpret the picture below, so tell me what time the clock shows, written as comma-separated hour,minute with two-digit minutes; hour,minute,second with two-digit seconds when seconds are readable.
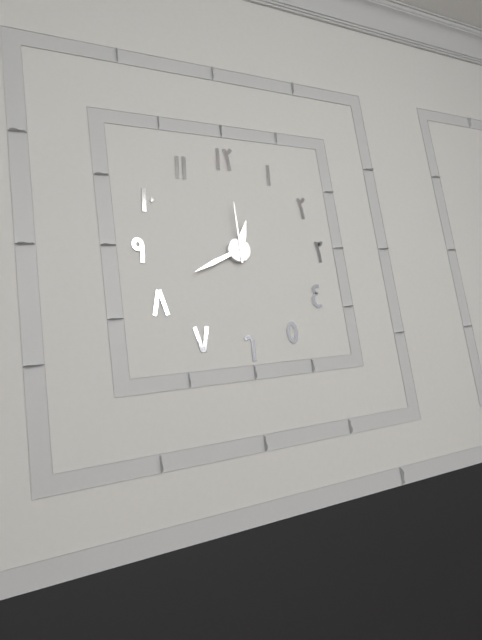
12,41,00
